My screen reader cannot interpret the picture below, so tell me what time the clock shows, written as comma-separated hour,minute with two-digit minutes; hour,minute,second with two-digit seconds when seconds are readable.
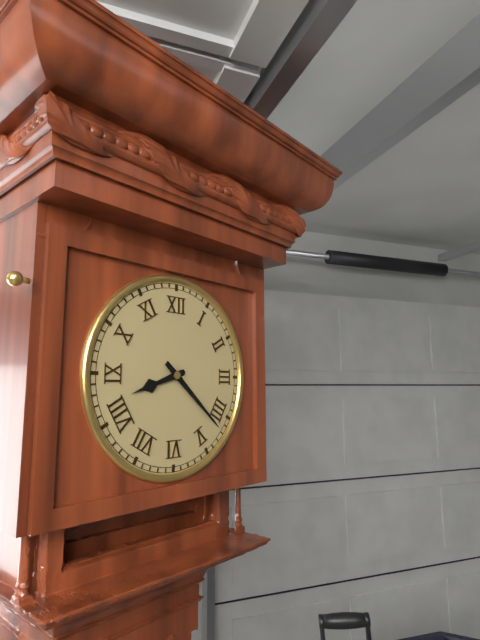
8,22
